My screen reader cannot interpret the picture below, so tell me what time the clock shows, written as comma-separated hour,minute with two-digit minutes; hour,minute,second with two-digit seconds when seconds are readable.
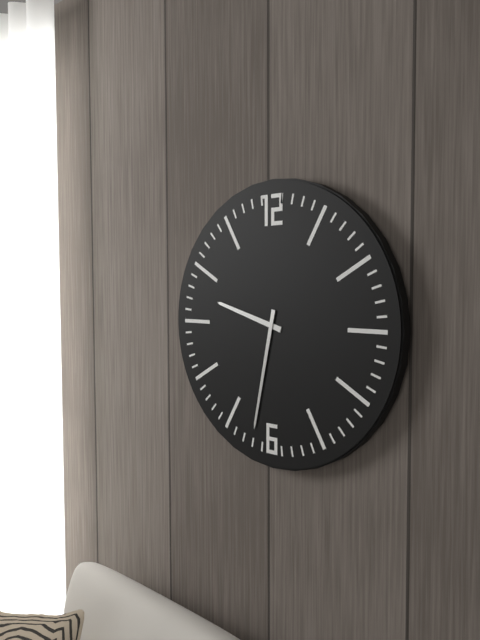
9,32
